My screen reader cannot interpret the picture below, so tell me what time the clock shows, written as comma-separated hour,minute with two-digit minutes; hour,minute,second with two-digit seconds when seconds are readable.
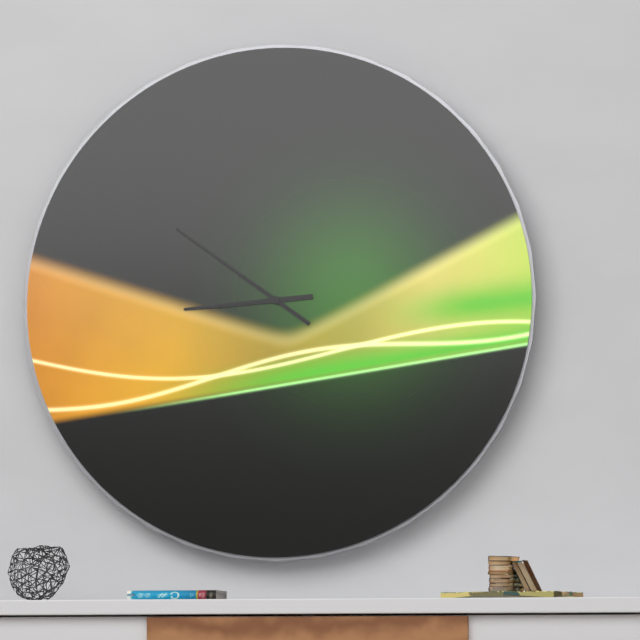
8,51
